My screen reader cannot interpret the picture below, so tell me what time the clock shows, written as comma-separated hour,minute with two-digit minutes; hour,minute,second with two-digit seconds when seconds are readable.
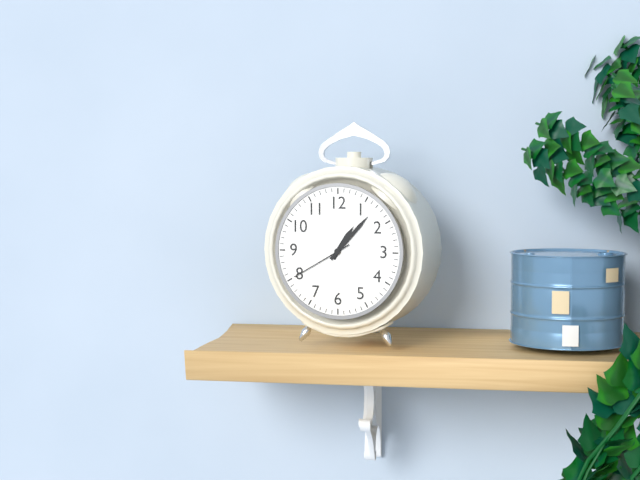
1,07,40
